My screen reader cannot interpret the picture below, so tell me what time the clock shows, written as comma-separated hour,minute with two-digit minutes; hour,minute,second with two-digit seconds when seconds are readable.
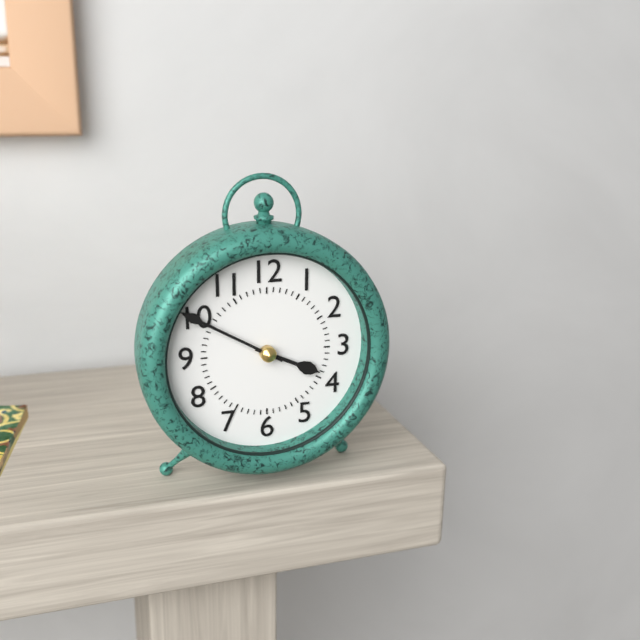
3,50
